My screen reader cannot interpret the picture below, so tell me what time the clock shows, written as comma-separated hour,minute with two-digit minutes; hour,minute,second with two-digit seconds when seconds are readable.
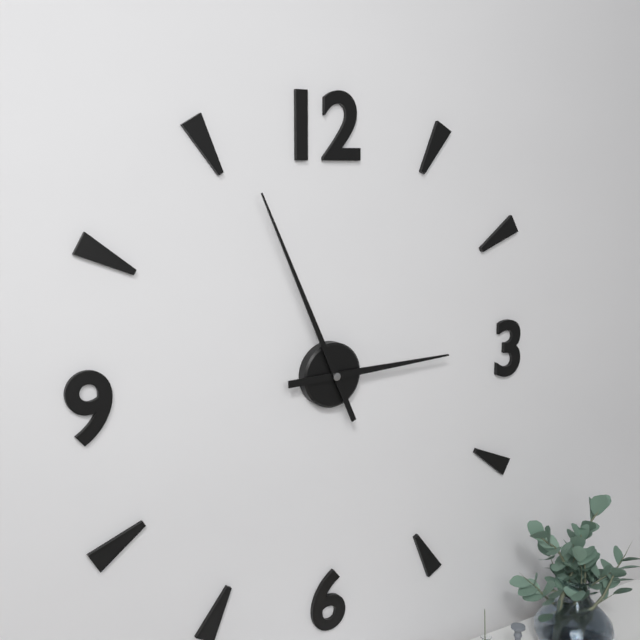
2,56
